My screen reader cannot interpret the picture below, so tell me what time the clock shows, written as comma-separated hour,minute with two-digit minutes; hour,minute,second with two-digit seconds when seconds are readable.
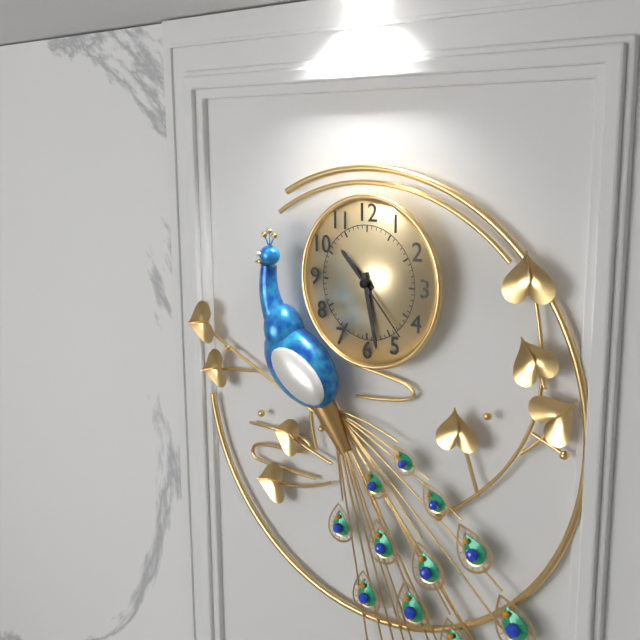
10,28,23
